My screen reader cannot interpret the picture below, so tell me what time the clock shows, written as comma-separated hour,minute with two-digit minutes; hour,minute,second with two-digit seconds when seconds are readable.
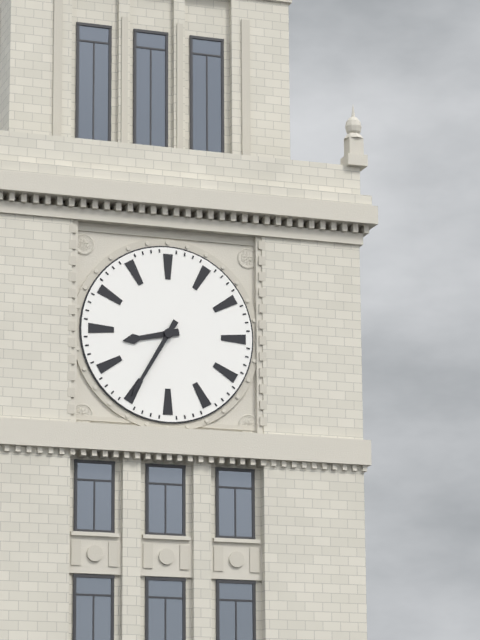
8,35
